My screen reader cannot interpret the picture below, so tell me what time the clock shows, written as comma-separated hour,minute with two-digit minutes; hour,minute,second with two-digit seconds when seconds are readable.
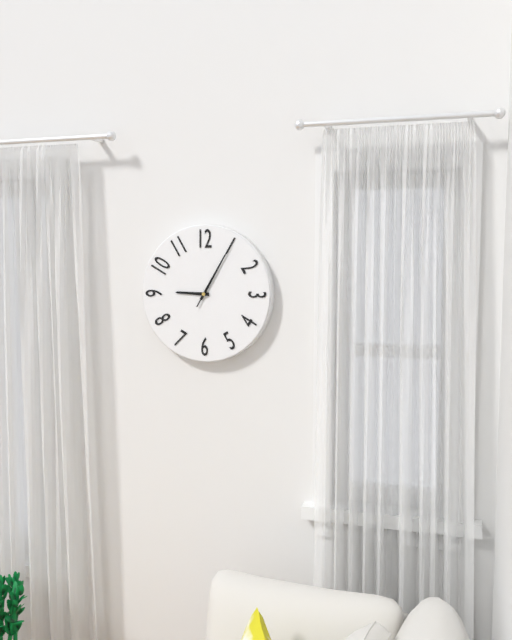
9,05,05
